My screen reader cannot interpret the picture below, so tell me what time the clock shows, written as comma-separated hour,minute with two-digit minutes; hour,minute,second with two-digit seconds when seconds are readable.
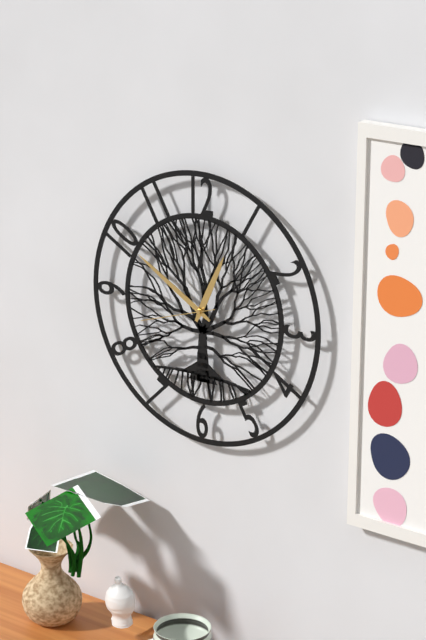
12,50,42
